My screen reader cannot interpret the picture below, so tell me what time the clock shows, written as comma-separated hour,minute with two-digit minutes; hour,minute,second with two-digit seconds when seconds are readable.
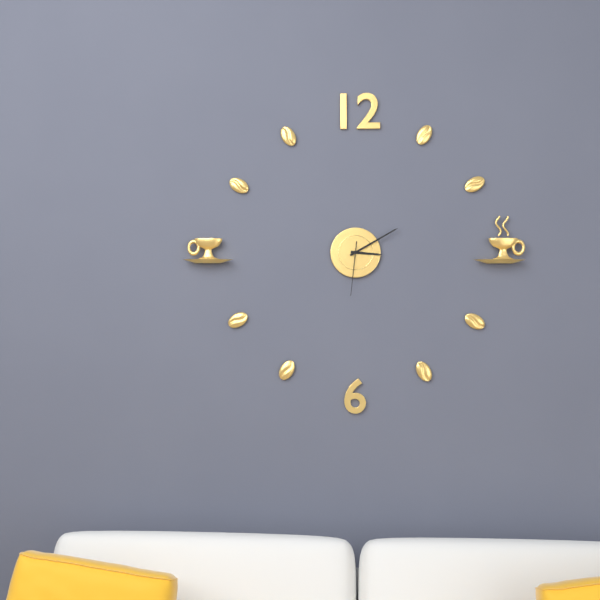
3,10,31
